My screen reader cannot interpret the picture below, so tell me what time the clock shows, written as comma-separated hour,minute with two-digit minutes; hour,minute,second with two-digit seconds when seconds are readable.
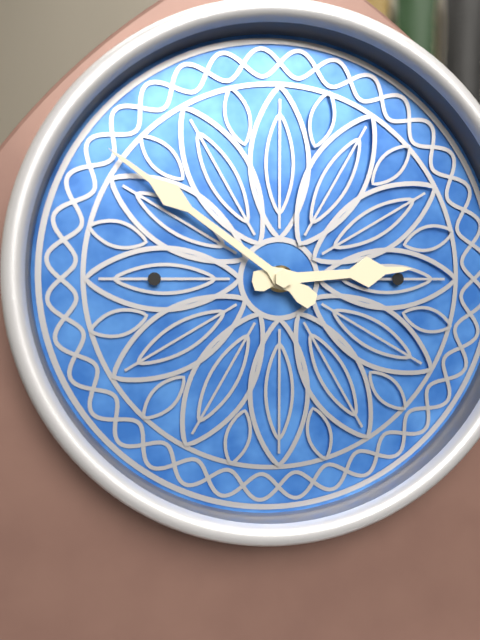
2,51
